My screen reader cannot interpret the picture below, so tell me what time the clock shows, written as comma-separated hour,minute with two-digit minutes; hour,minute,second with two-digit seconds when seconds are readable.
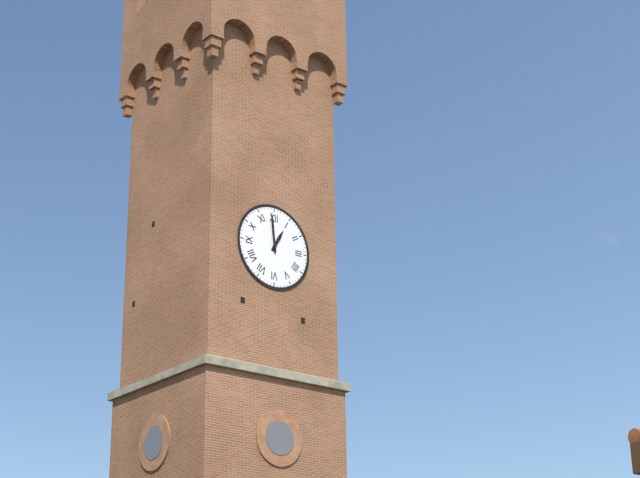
12,59
